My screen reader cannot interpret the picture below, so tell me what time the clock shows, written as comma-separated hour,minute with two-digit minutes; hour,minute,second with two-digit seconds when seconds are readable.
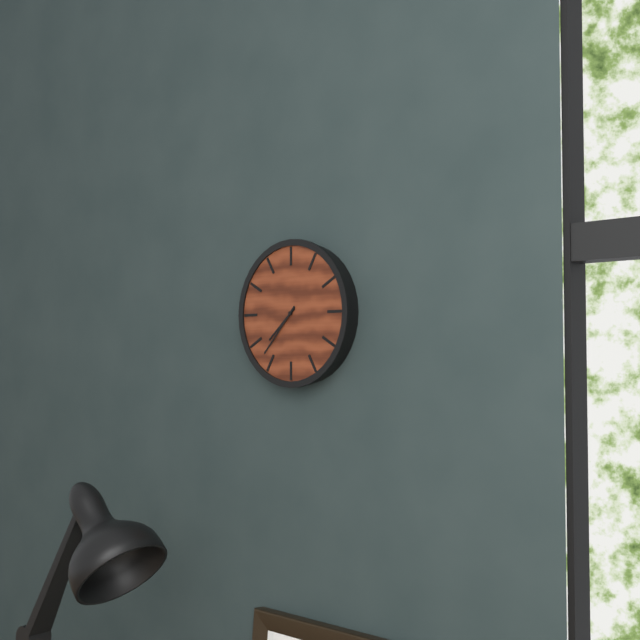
7,37
